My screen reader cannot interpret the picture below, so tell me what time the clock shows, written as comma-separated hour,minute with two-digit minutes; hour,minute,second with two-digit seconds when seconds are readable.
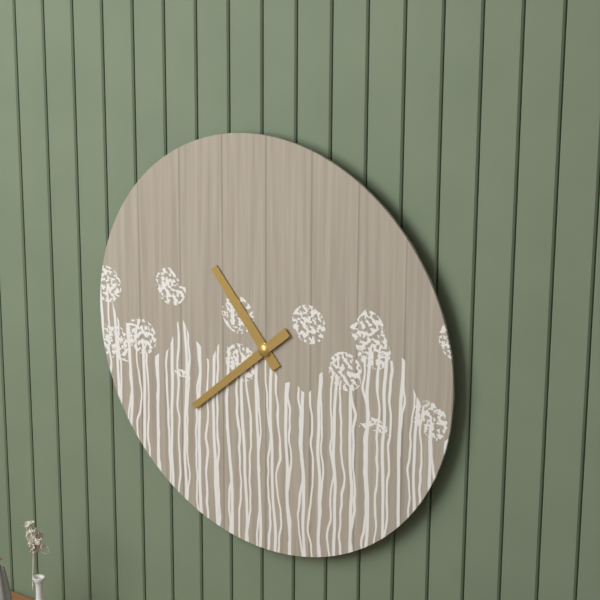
10,38
